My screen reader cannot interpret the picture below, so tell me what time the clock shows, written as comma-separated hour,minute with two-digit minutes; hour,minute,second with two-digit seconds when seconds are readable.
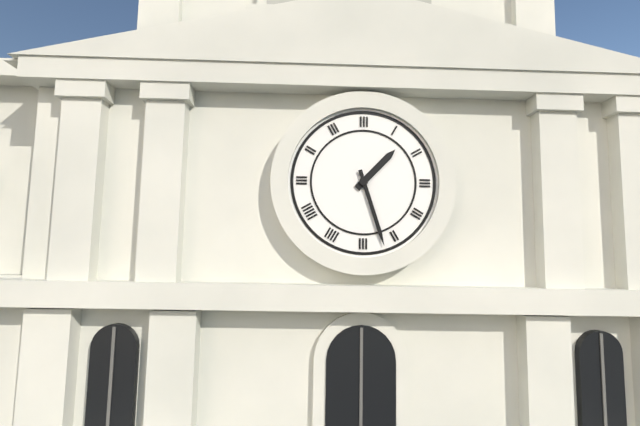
1,27
